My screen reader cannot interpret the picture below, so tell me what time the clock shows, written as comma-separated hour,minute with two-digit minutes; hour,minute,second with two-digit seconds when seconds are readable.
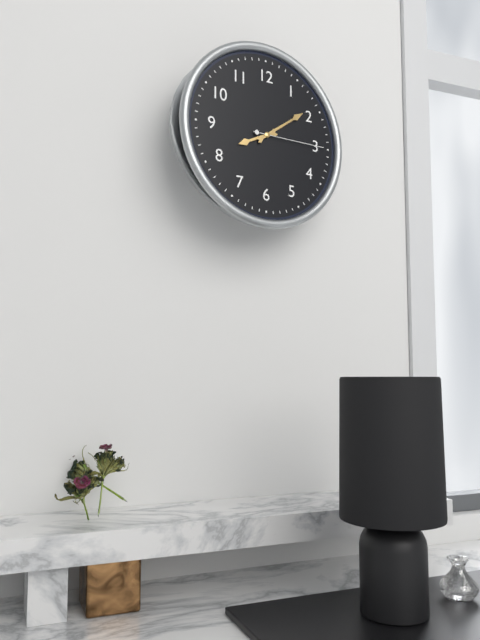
8,09,15
